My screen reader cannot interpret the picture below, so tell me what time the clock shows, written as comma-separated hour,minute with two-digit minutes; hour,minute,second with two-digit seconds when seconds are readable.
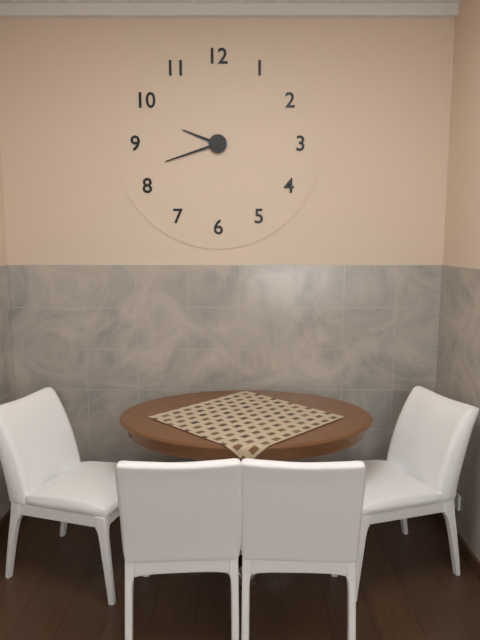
9,42
